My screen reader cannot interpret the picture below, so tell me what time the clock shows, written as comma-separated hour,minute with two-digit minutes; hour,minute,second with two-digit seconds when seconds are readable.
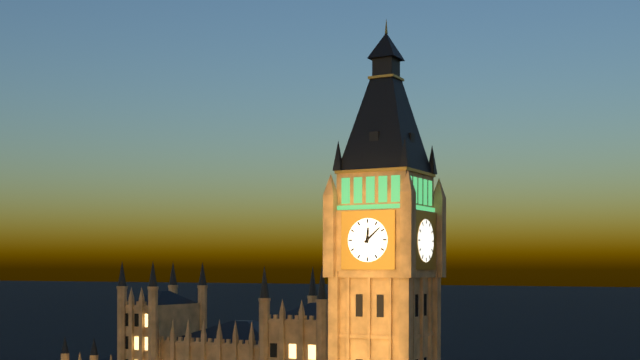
12,08
